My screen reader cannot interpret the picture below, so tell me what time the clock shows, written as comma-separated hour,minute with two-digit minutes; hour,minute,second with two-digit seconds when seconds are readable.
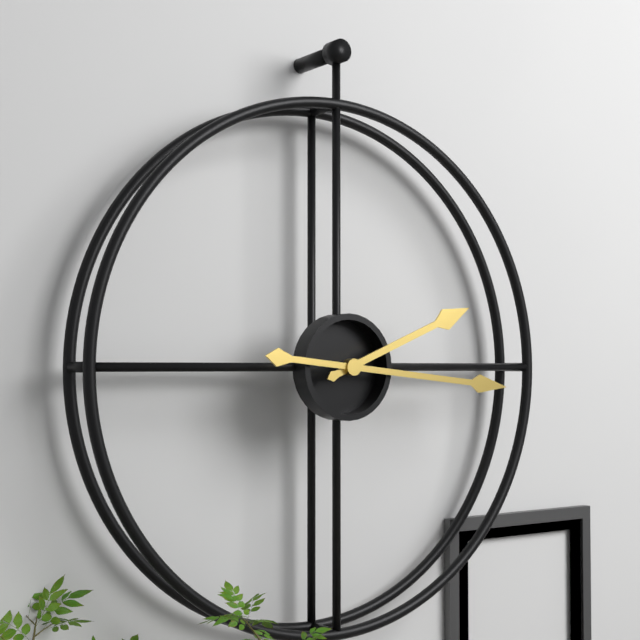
2,16
